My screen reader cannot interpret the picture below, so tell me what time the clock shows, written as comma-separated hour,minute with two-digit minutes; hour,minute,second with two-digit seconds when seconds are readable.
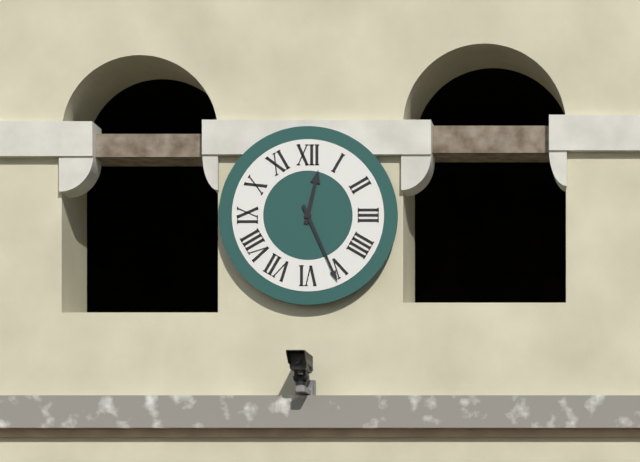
12,26
